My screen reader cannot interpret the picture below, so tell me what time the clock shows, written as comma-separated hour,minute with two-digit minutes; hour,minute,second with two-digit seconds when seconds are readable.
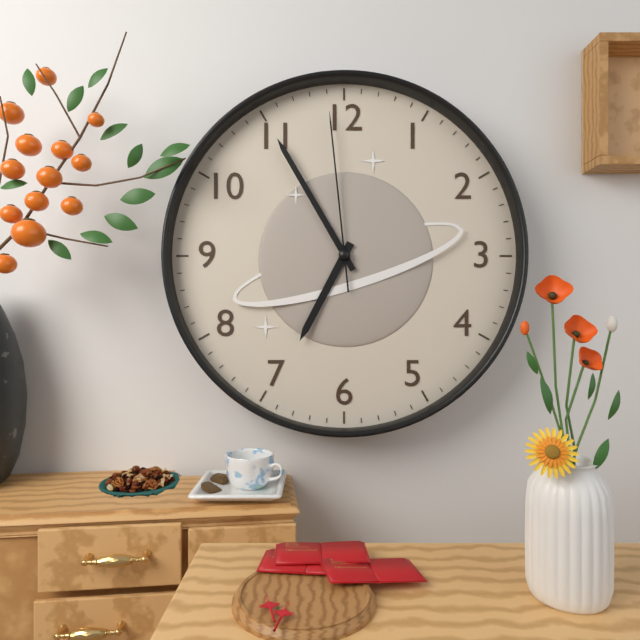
6,55,59
